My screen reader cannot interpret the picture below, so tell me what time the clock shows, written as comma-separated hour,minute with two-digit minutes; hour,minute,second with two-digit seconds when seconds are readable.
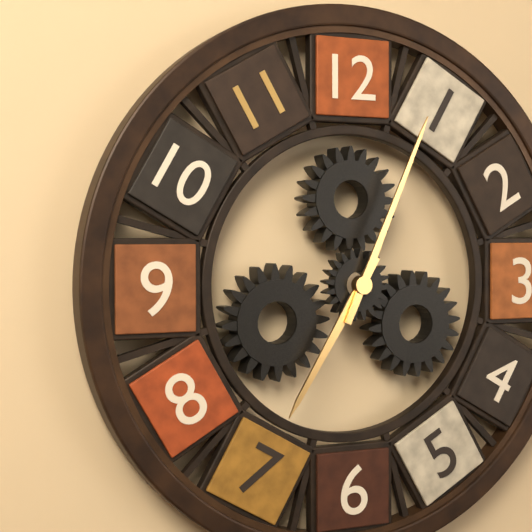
7,04
